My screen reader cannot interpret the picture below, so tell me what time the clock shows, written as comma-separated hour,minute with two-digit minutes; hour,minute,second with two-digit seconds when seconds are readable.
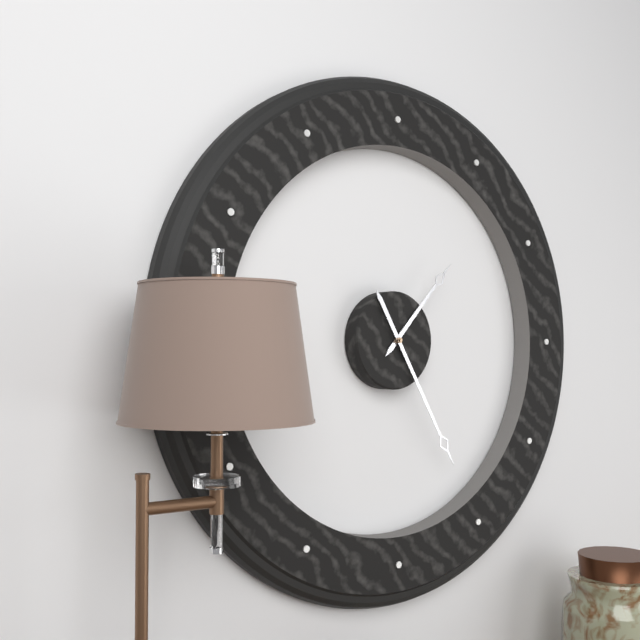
1,25
